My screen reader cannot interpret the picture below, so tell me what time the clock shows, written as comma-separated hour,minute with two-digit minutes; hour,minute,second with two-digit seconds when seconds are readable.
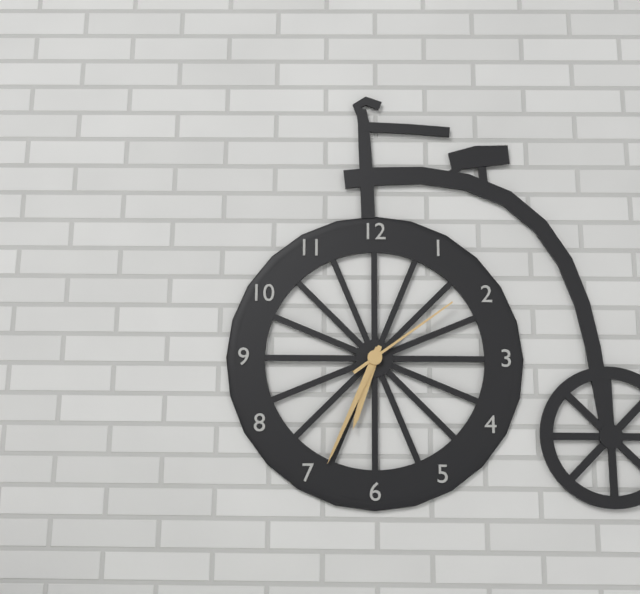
6,34,09
